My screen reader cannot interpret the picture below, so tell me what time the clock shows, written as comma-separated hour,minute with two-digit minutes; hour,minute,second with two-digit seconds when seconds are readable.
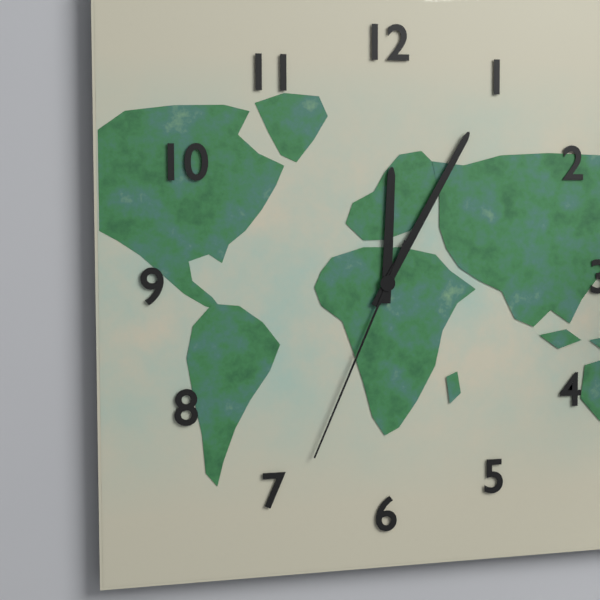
12,05,34
